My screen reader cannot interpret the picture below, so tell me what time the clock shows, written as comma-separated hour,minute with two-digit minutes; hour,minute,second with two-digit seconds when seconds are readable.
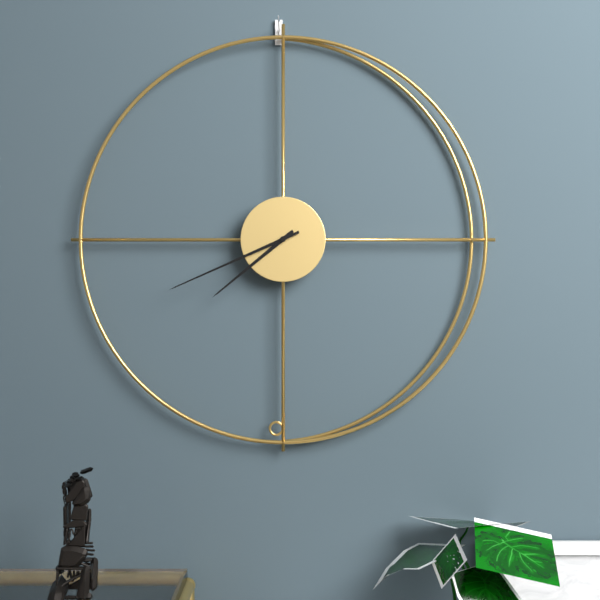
7,41
